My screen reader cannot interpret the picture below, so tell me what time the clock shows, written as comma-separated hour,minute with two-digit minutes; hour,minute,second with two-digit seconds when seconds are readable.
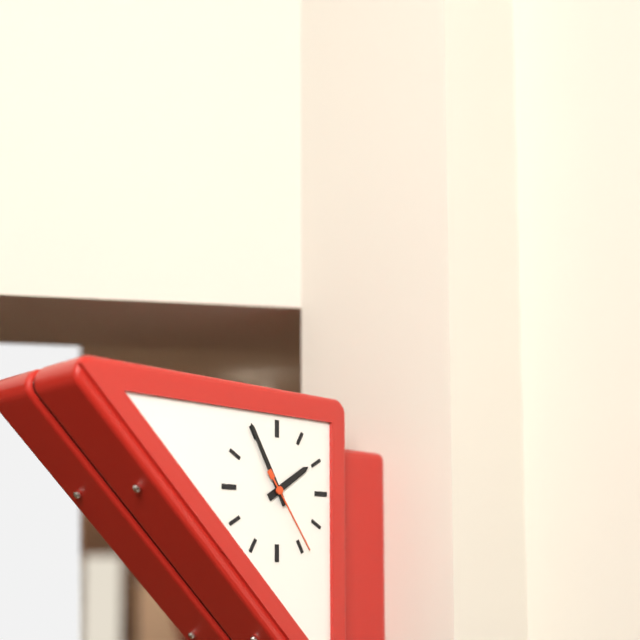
1,55,24
